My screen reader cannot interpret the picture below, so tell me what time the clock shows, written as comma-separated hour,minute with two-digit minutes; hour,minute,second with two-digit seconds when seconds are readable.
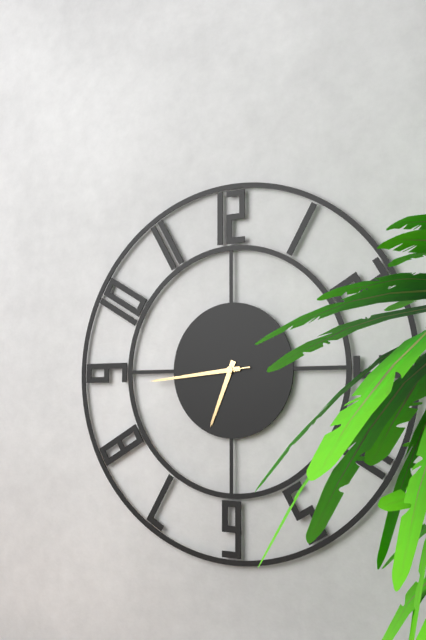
6,44,44
